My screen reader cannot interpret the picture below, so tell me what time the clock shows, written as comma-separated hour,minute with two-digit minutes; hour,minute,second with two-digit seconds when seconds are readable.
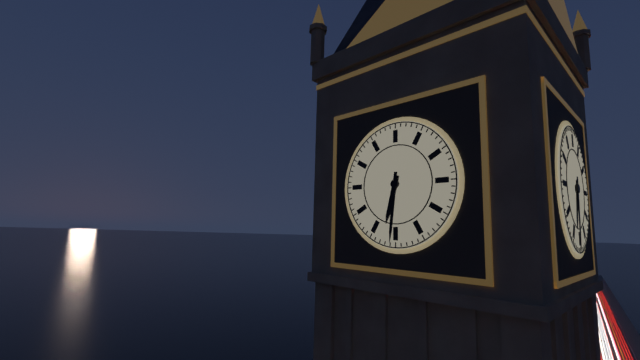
6,31
